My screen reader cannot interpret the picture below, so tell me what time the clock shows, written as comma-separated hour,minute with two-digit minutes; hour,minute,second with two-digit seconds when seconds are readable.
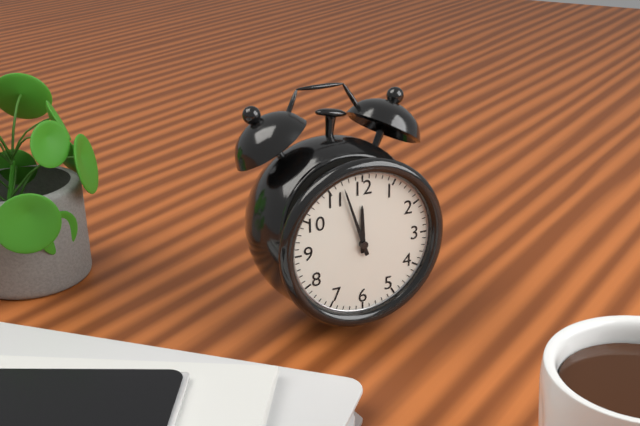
11,57
